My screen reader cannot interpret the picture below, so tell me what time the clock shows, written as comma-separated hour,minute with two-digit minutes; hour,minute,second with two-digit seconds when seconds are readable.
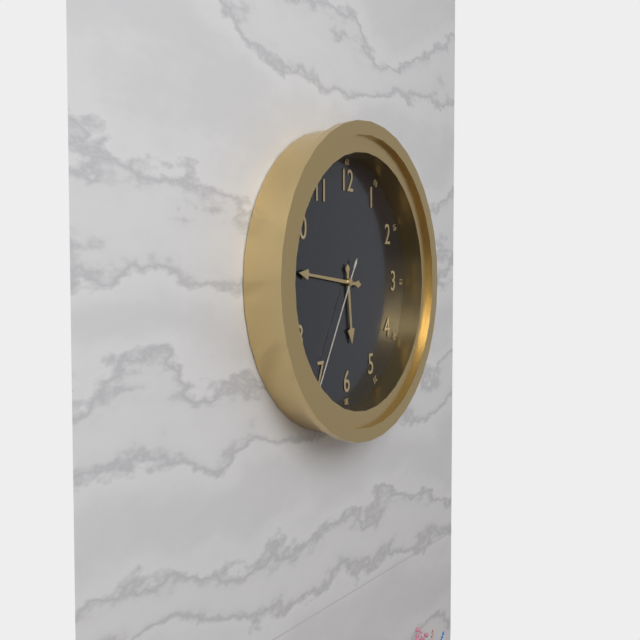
5,46,35
